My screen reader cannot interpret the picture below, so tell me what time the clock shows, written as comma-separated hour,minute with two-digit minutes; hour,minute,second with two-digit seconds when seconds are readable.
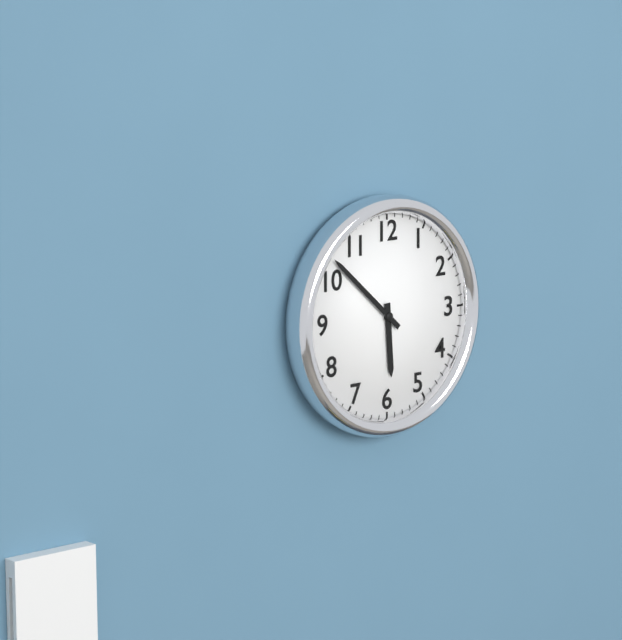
5,52
